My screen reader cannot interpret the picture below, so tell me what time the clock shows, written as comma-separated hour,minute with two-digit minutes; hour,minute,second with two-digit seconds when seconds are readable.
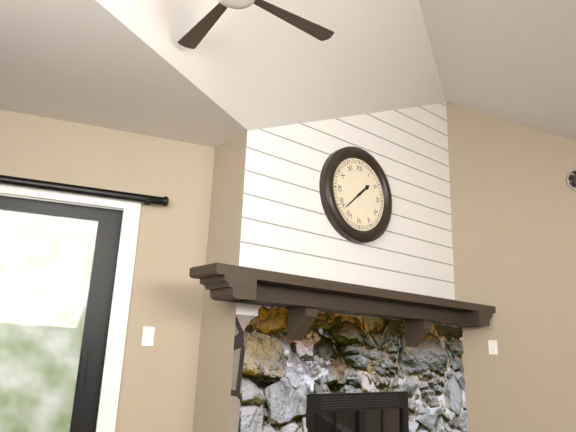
1,38
